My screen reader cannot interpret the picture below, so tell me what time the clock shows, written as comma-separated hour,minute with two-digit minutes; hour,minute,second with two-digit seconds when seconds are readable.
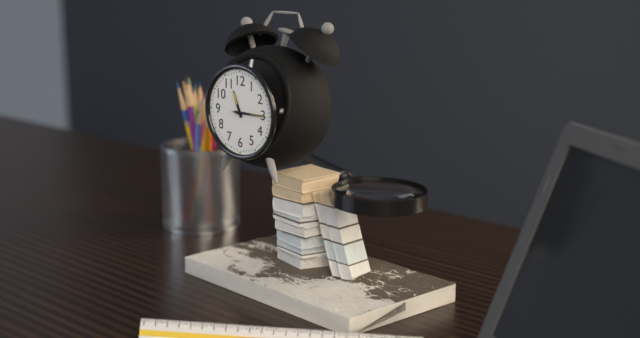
11,15
